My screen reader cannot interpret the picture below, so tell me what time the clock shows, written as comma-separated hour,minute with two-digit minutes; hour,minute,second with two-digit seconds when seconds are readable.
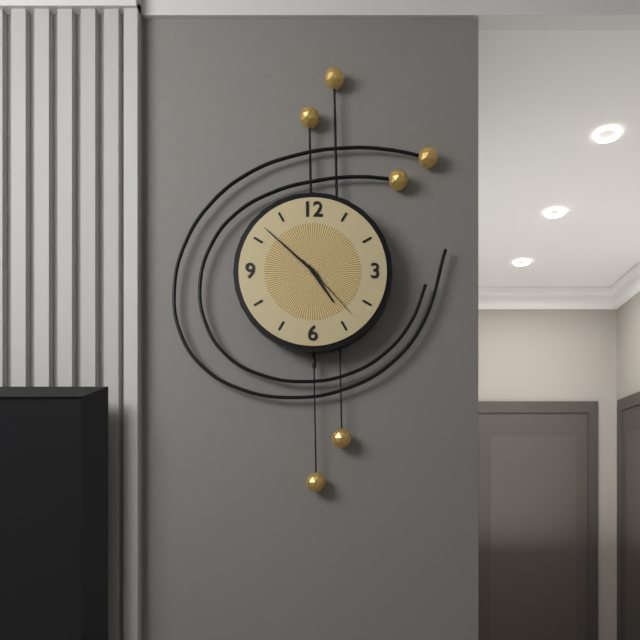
4,52,23
